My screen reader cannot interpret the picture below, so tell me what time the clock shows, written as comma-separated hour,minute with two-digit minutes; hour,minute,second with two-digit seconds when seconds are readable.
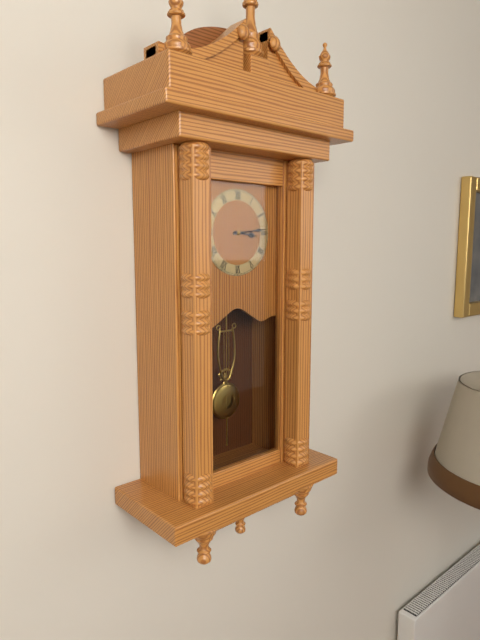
3,14
